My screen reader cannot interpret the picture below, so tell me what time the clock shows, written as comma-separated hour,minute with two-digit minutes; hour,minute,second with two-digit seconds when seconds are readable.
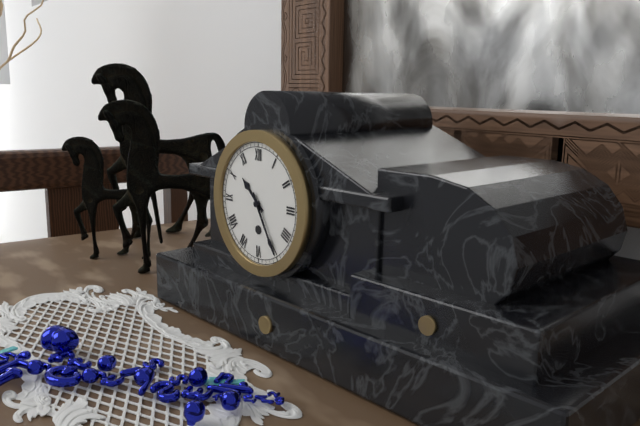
10,25
